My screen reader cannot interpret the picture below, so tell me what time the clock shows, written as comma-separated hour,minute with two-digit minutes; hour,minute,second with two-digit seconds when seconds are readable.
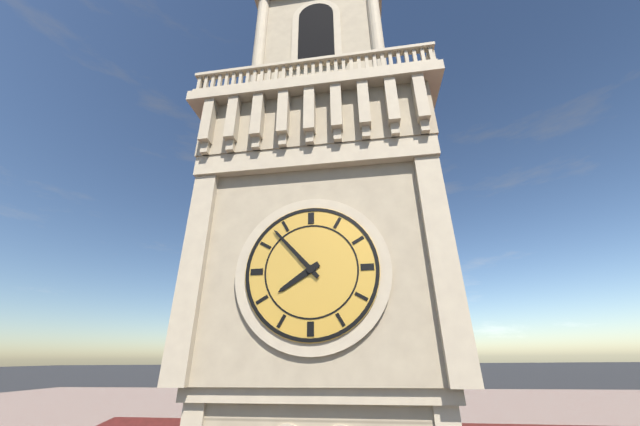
7,53
